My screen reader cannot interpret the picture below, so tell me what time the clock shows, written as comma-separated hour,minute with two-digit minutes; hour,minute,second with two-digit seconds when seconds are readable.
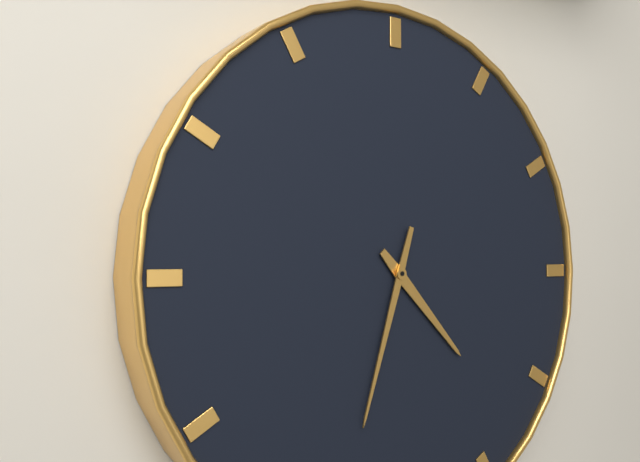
4,33
